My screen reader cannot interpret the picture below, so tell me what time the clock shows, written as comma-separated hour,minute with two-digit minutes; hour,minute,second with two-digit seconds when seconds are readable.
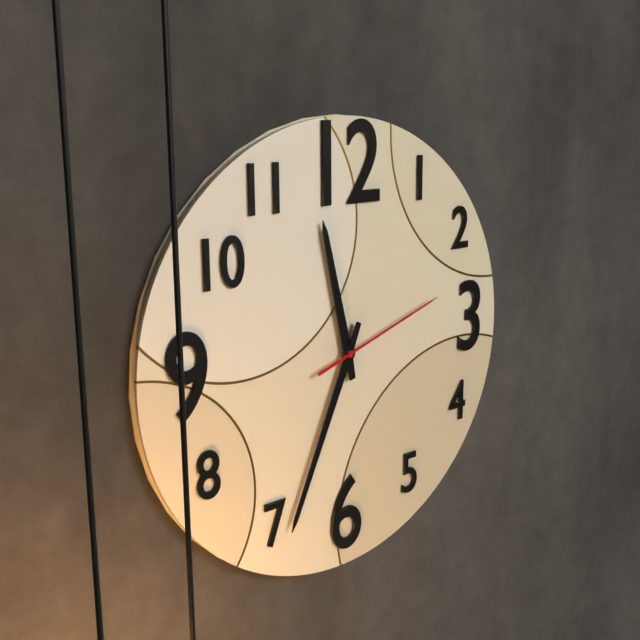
11,34,12
